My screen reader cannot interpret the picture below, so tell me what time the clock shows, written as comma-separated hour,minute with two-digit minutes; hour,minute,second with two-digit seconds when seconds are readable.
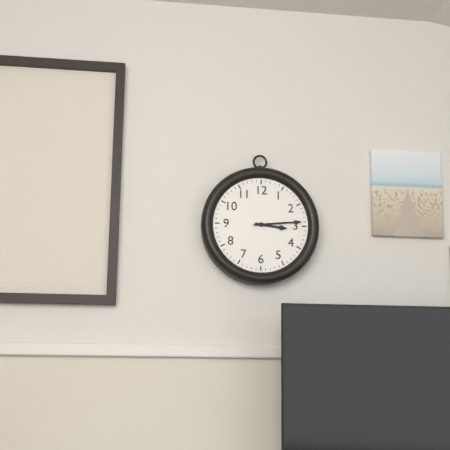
3,14
